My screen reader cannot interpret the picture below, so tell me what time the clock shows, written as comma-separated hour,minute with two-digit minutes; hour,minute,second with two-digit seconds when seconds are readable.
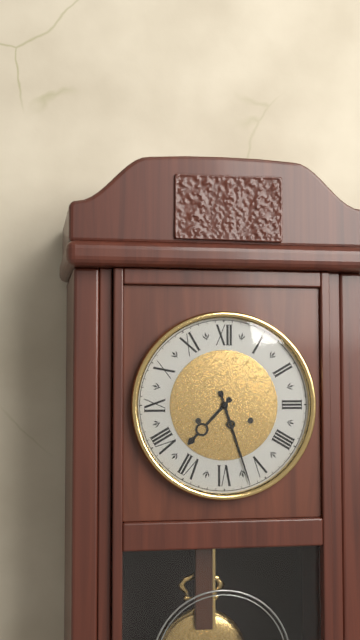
7,27
